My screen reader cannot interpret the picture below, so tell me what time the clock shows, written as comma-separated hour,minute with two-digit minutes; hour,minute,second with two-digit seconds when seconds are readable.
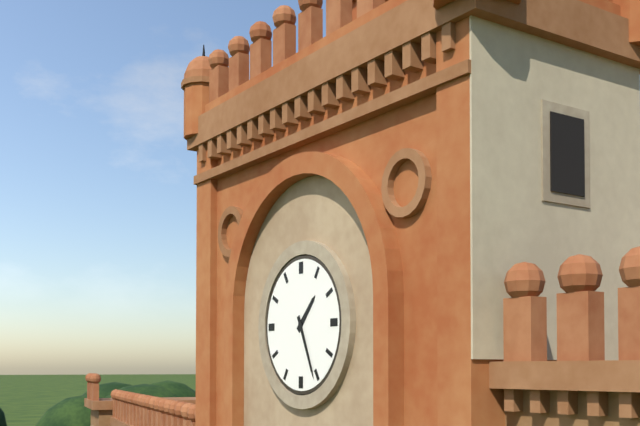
1,26
